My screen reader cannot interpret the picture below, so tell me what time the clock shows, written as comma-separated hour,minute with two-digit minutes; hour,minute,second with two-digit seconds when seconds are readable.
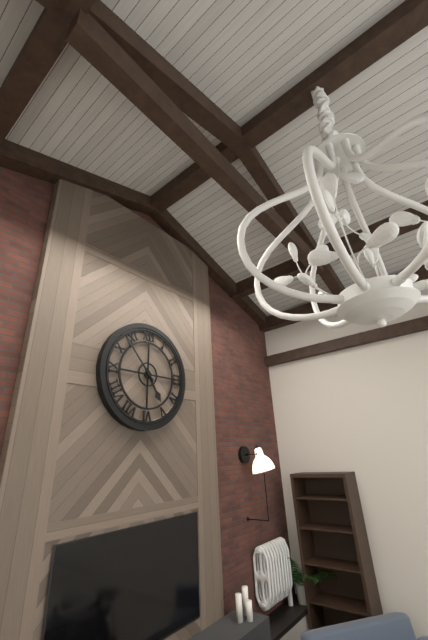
4,53
